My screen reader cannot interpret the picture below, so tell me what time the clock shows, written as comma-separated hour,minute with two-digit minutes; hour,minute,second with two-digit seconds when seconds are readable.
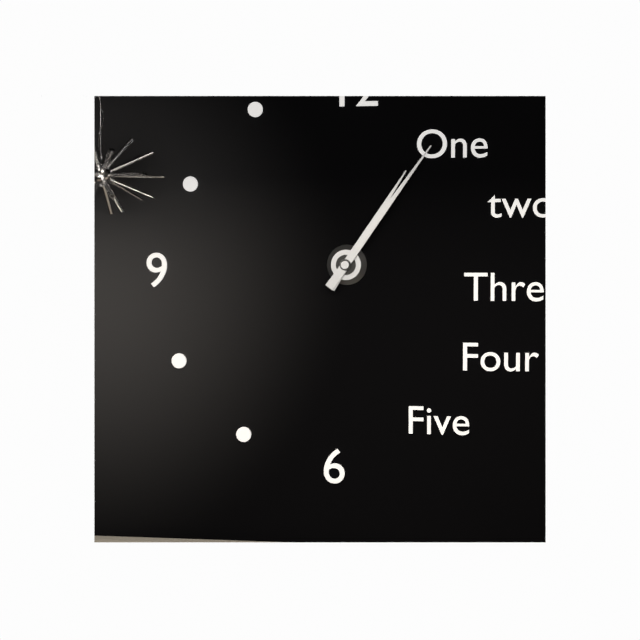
1,06
